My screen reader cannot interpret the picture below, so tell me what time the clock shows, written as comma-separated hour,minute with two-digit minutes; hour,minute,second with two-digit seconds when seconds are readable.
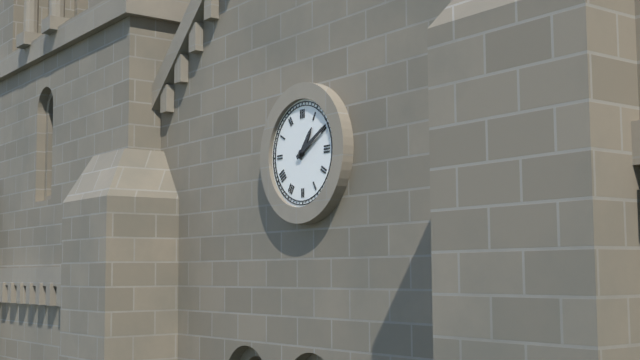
1,10
